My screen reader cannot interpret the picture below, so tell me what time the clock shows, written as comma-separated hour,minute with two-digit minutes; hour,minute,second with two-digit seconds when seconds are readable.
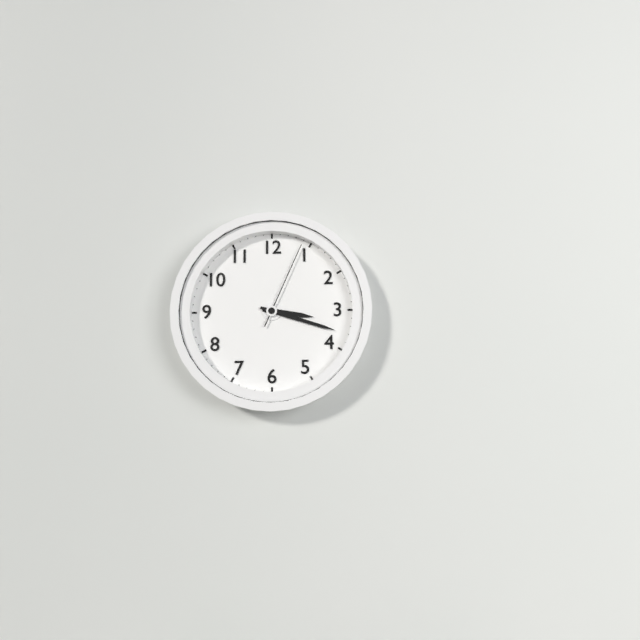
3,18,04
